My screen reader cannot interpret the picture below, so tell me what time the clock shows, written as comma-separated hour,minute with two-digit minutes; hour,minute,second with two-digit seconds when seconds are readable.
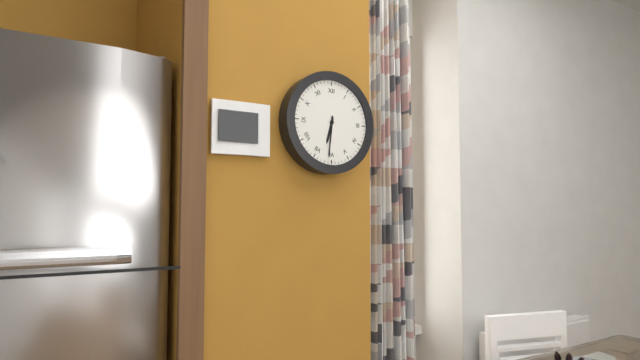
6,31
